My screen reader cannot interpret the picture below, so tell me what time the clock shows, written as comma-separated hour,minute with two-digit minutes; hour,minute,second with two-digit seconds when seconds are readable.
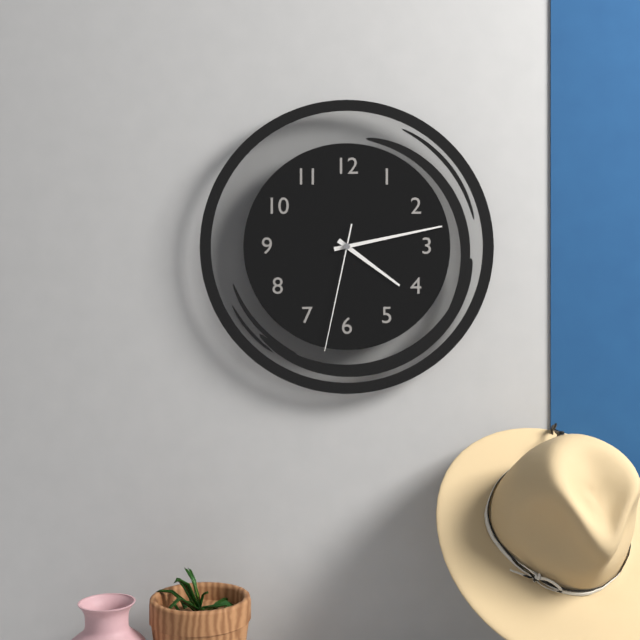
4,13,32
